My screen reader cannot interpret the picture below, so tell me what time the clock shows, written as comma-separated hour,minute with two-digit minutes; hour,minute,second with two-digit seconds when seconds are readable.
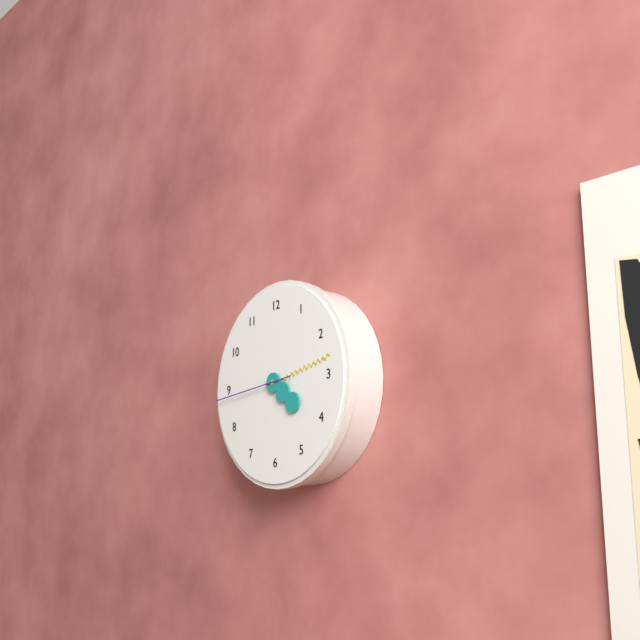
4,13,44
